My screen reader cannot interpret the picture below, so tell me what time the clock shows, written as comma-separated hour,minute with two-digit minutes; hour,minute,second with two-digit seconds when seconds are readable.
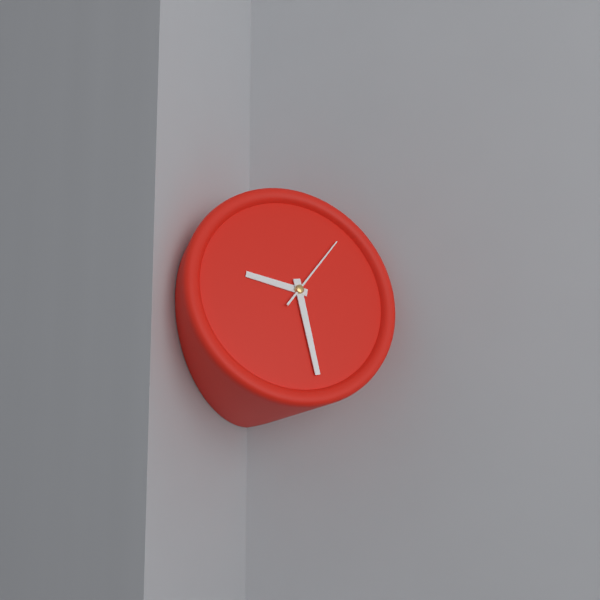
9,29,07
